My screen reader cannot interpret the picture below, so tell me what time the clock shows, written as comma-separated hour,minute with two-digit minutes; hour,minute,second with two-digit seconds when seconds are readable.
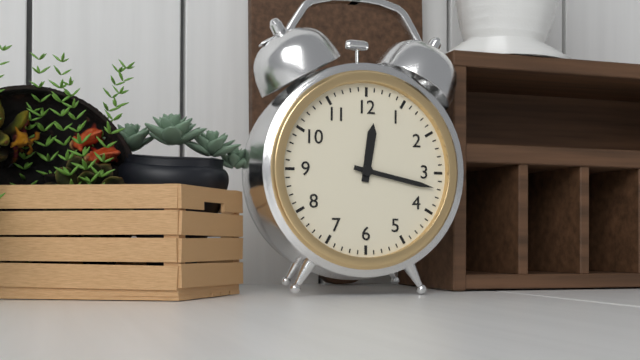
12,17
